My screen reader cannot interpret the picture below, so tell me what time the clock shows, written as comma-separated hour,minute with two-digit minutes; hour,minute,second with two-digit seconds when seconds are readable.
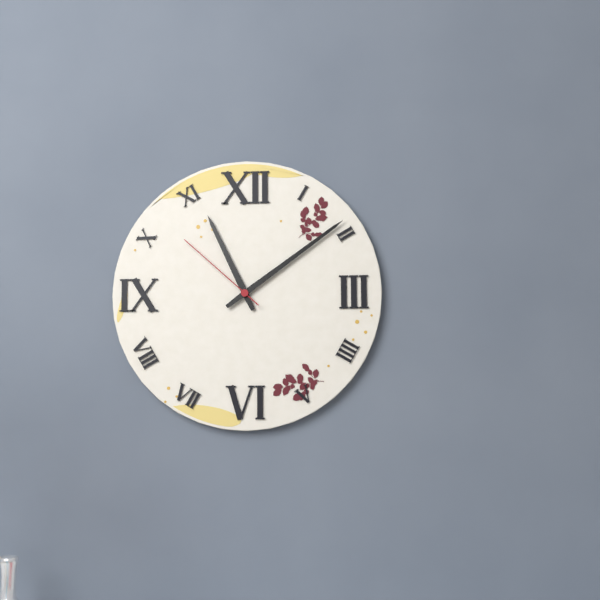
11,09,52
